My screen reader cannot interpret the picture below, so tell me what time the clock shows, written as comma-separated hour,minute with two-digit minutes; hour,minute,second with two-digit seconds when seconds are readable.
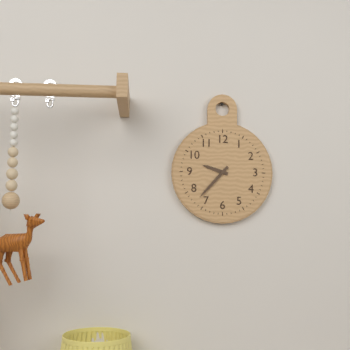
9,37
